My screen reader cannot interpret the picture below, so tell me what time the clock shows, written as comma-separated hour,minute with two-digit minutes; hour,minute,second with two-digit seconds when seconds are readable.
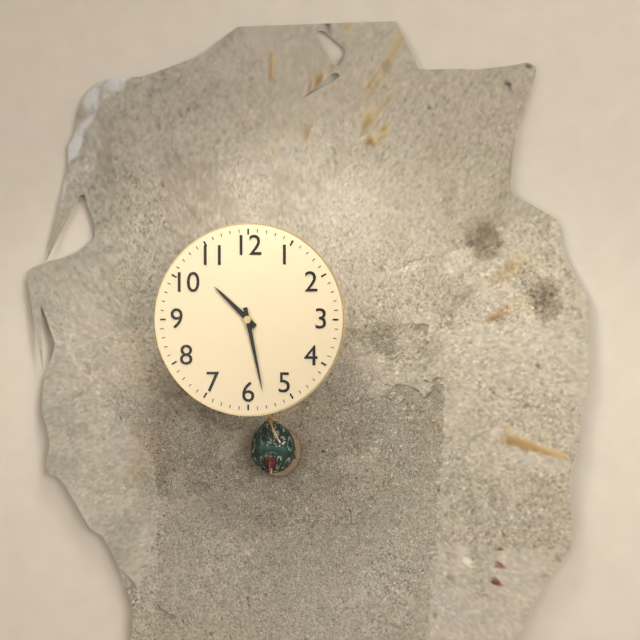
10,28
